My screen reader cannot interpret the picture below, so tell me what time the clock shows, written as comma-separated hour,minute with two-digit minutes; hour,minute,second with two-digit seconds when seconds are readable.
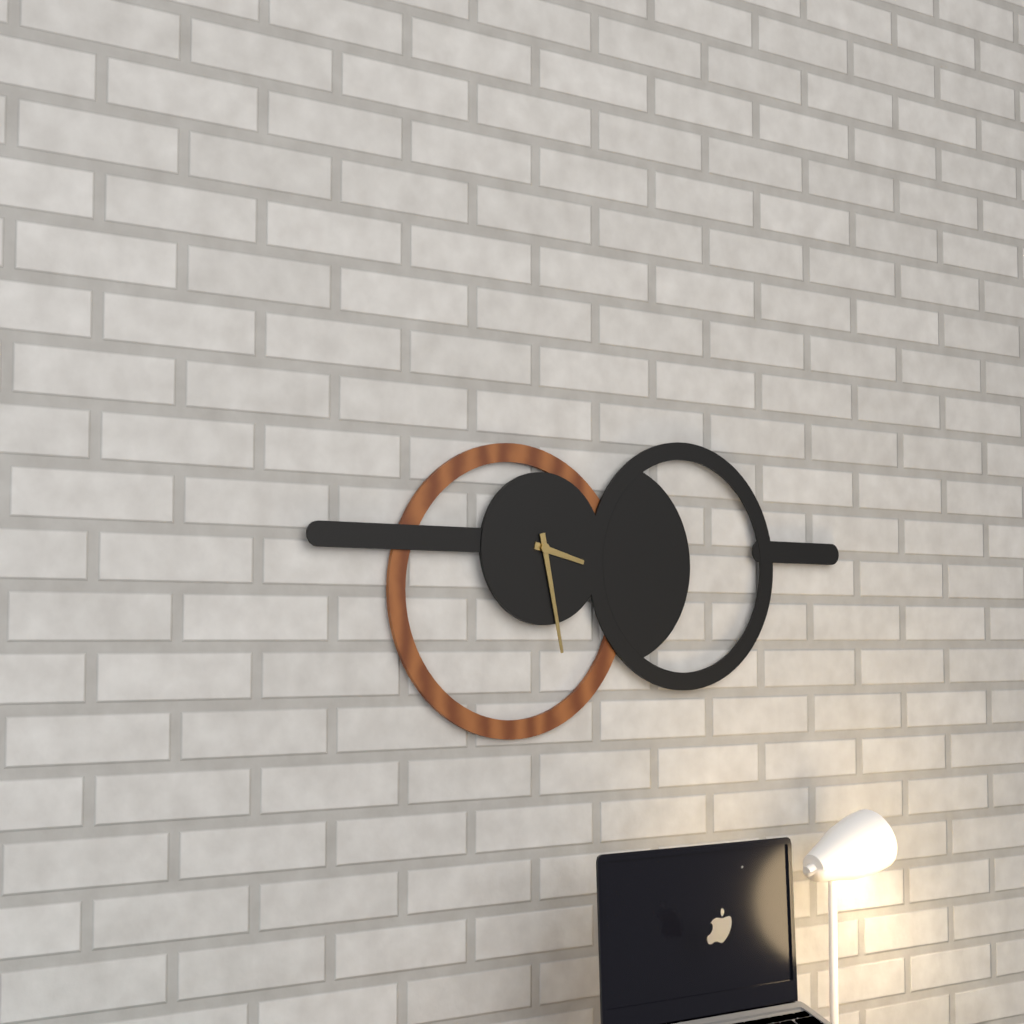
3,28
